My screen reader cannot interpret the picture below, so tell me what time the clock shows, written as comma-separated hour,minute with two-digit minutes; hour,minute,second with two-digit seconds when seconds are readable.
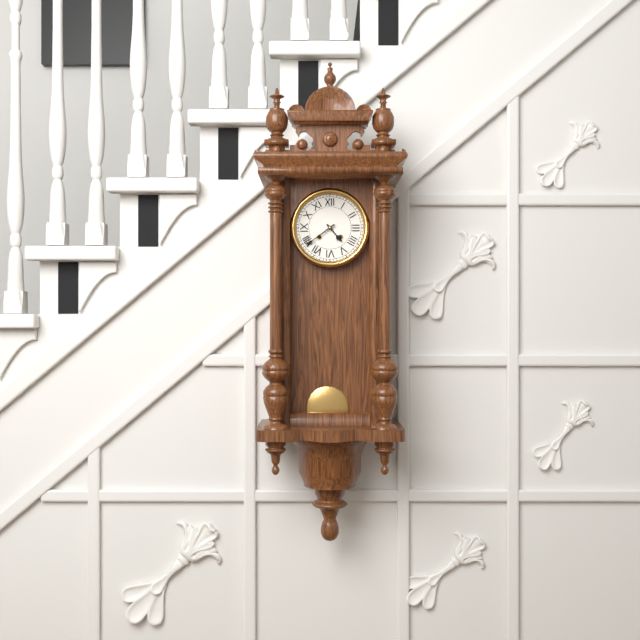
4,39
